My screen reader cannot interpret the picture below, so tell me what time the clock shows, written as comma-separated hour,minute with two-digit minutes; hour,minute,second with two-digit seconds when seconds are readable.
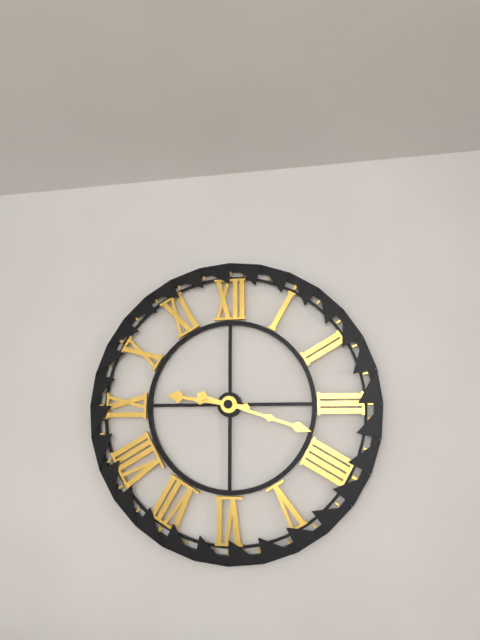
9,18
